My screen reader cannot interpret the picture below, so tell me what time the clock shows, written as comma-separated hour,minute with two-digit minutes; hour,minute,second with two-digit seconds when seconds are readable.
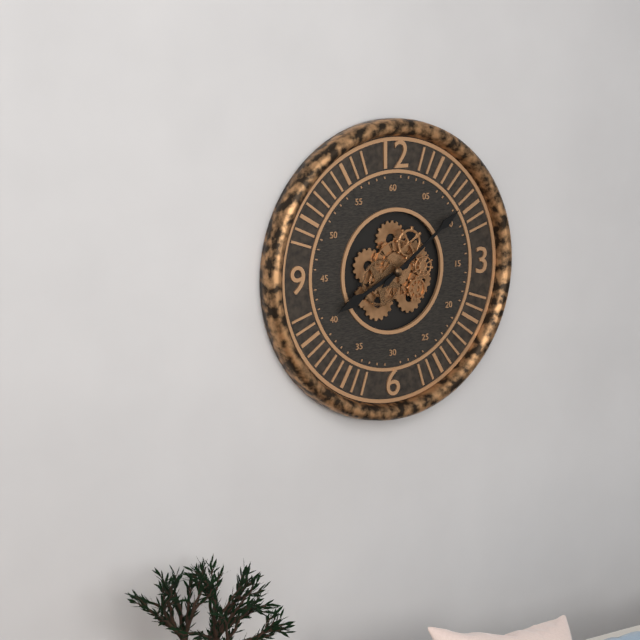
8,09
